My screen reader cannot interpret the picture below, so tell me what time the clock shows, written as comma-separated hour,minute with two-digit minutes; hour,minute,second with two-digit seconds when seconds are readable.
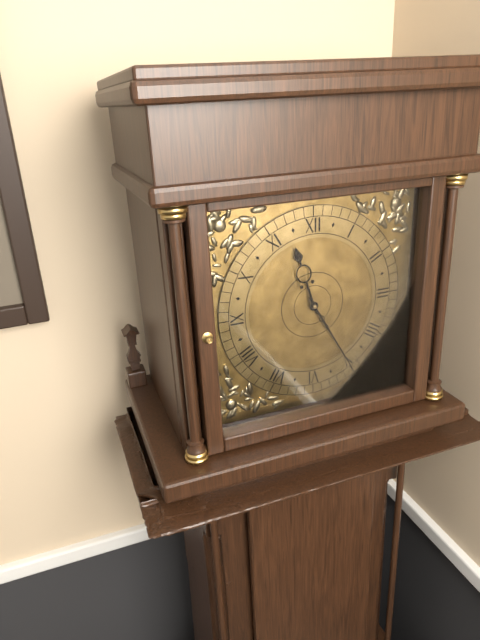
11,25
